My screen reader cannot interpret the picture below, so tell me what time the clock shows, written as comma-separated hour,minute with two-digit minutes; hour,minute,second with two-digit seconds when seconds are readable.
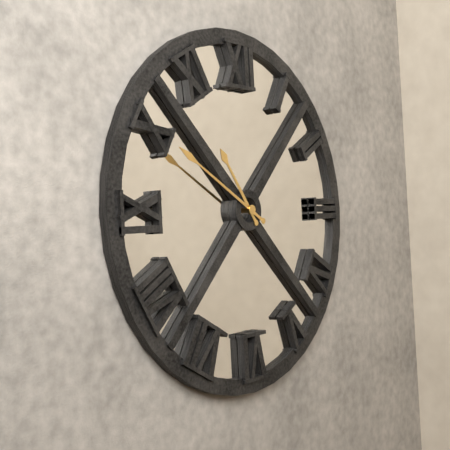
10,50
